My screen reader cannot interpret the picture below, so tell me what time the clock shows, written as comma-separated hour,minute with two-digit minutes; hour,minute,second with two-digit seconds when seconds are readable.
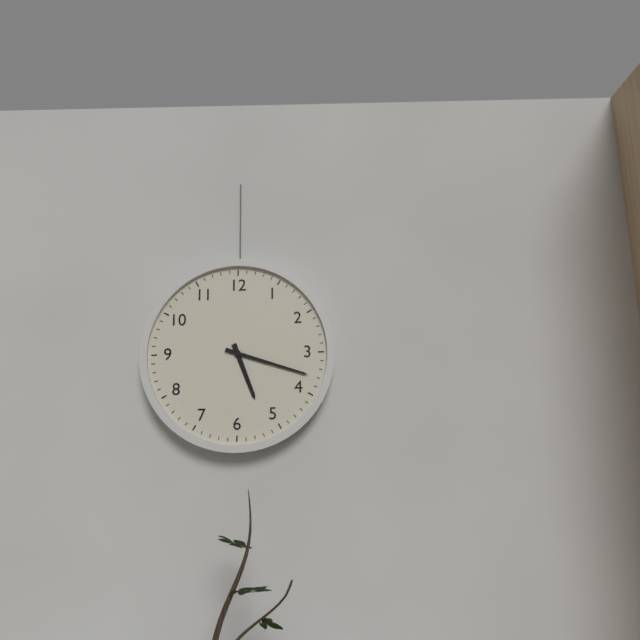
5,18
